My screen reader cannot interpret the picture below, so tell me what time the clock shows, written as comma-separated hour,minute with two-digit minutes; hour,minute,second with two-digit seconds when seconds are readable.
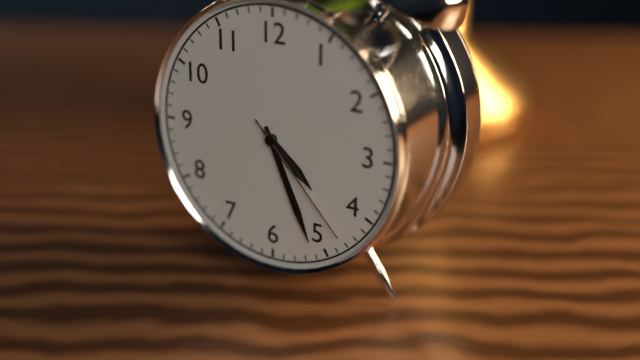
4,26,23
